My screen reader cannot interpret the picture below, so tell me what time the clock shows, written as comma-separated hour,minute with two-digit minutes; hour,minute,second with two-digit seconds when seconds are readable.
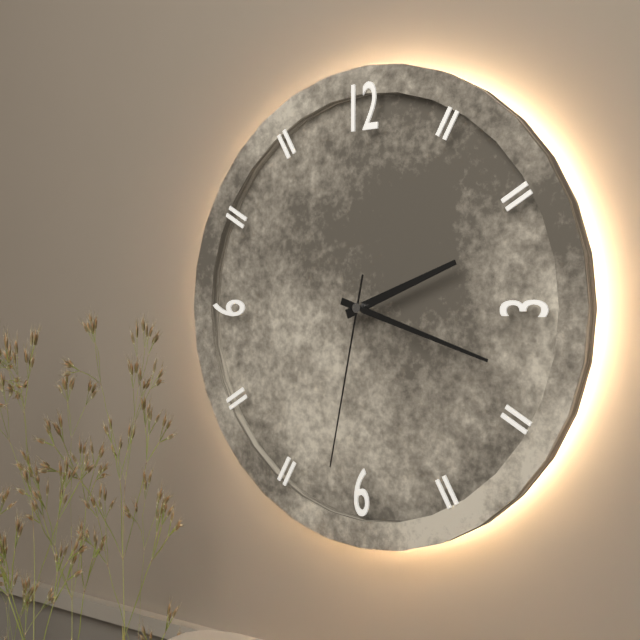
2,18,32
